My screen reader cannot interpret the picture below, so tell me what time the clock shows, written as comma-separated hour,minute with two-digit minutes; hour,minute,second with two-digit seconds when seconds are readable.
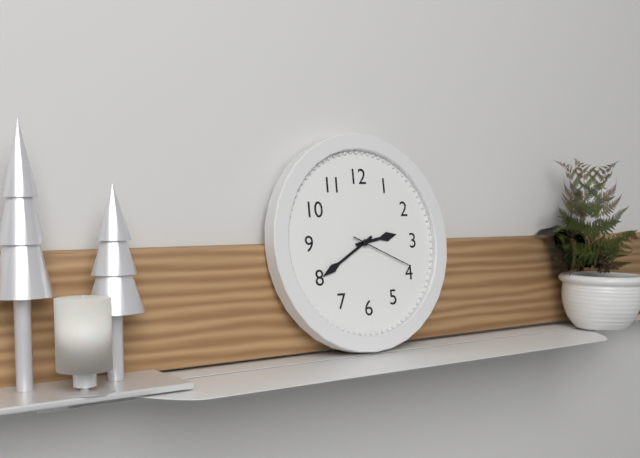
2,40,19
